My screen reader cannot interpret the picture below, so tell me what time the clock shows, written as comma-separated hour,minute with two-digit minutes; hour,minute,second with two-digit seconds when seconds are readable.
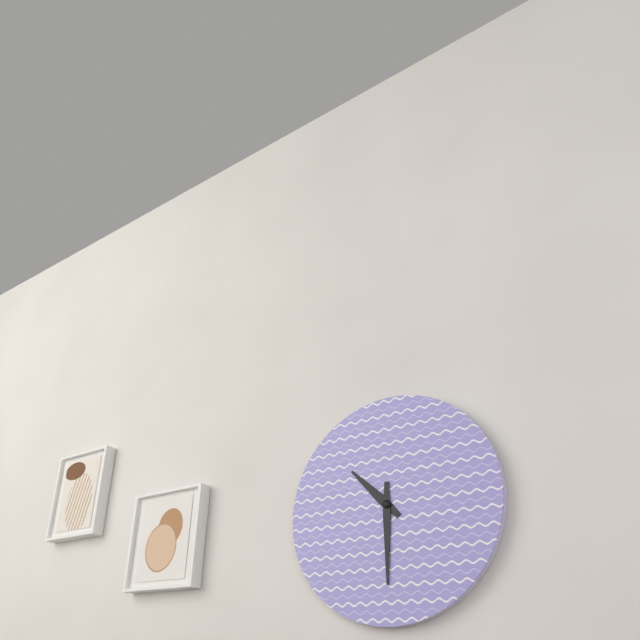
10,30
